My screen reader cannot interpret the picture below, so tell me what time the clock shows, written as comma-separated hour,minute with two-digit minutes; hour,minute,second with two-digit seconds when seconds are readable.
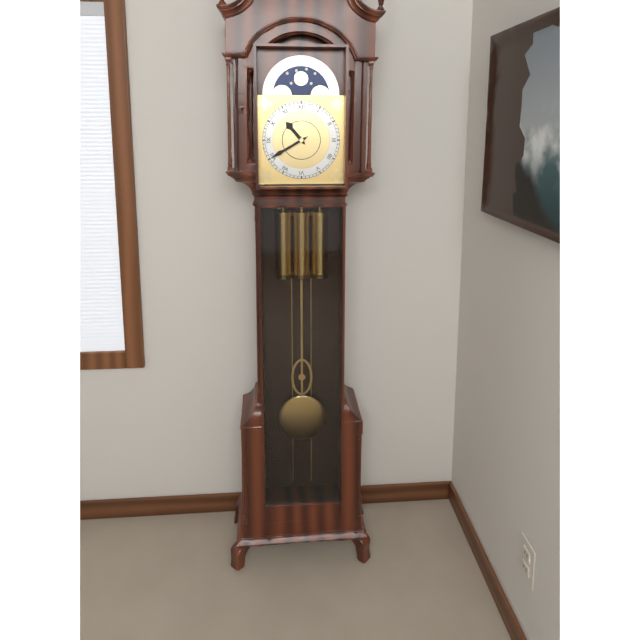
10,40
